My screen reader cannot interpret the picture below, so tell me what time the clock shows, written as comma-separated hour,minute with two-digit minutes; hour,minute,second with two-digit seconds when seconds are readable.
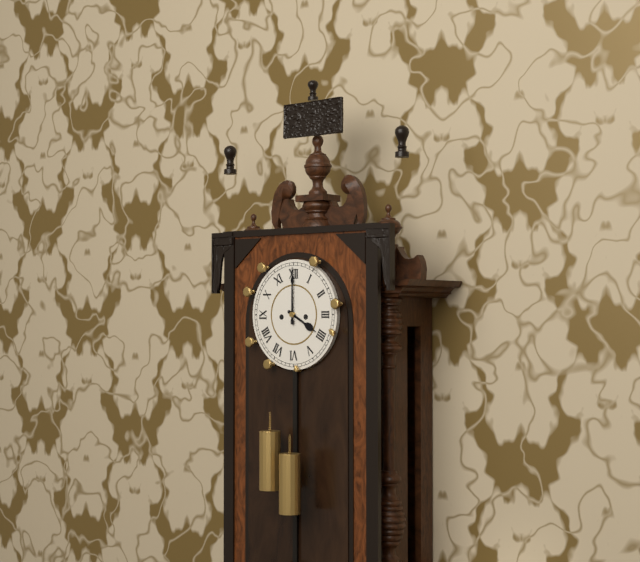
4,00
